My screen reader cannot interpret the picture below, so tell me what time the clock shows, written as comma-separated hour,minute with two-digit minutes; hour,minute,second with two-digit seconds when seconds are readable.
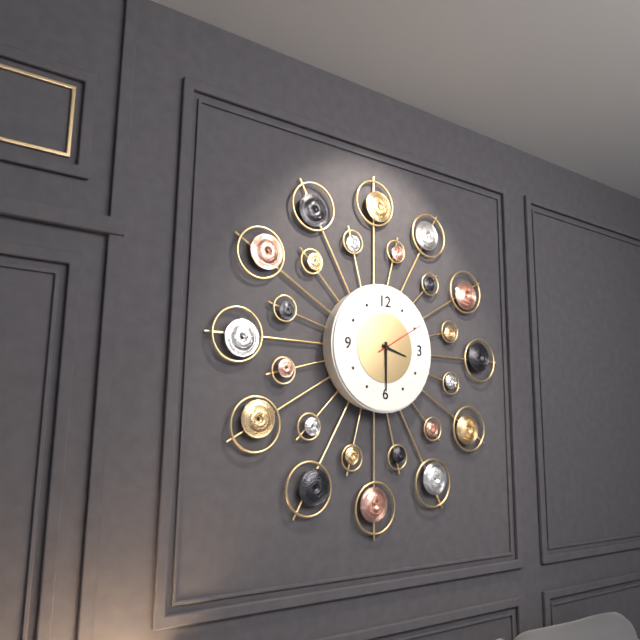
3,30,10
